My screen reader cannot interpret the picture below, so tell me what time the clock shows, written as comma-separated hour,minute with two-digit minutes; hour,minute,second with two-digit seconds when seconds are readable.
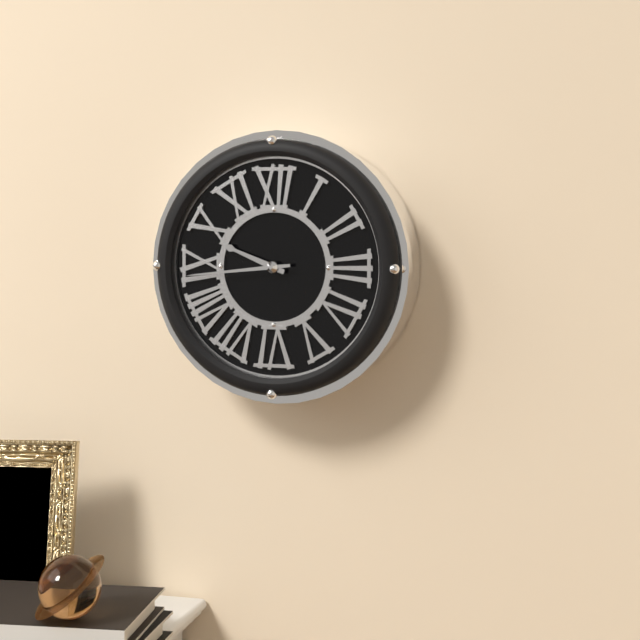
9,44
